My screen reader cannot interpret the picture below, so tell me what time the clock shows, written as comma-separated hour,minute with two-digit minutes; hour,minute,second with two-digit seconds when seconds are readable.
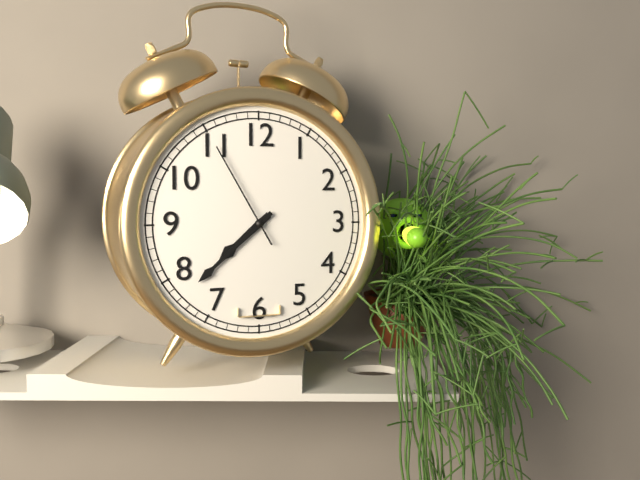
7,38,55
